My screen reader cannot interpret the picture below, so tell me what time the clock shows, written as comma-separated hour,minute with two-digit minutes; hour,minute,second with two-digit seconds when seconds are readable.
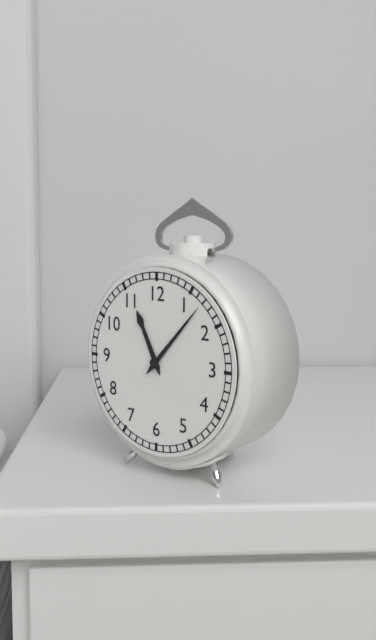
11,07
